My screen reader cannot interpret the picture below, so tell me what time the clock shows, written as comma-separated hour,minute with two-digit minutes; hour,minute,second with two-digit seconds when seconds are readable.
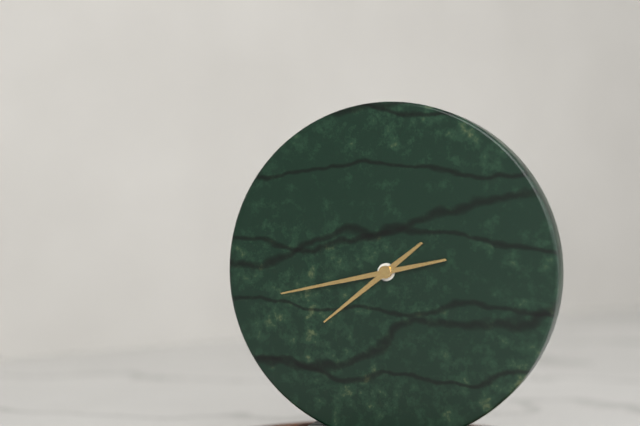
7,43
